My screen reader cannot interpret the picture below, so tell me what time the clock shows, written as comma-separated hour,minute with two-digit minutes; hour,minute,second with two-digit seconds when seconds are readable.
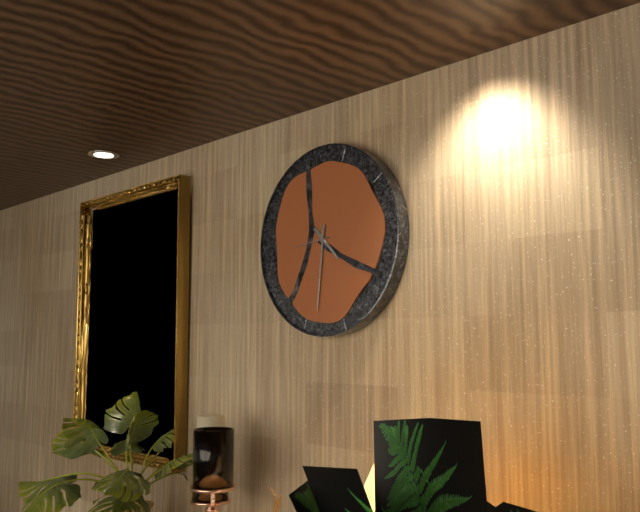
4,31
